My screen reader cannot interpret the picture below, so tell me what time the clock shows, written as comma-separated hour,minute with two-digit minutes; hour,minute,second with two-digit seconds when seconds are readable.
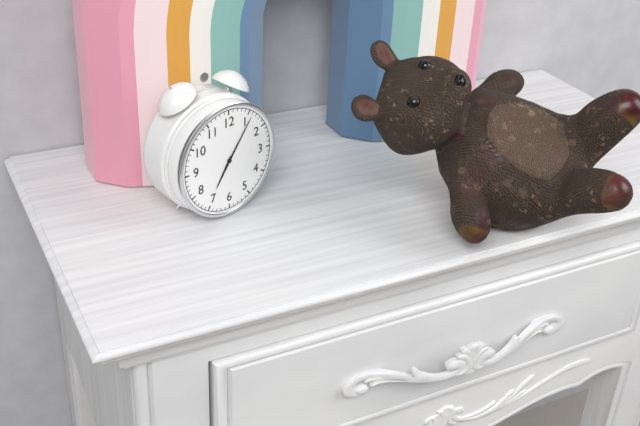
7,06
